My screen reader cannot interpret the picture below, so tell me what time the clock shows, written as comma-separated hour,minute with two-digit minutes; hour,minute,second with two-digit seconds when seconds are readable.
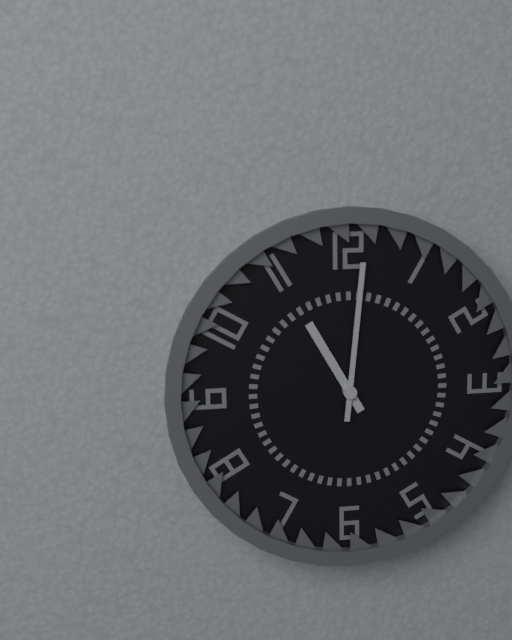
11,01
